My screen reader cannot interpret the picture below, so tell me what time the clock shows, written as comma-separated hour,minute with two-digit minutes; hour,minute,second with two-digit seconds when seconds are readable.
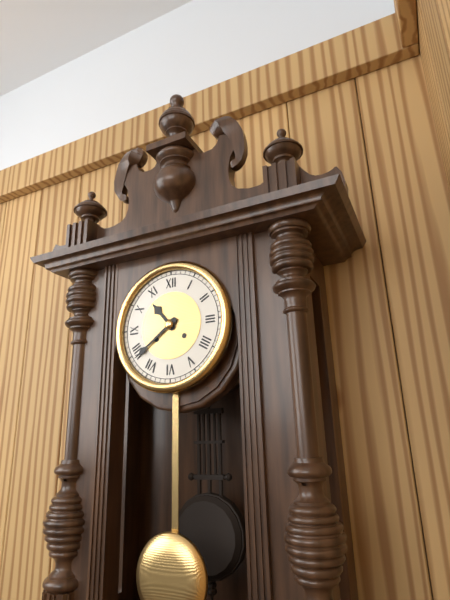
10,39
